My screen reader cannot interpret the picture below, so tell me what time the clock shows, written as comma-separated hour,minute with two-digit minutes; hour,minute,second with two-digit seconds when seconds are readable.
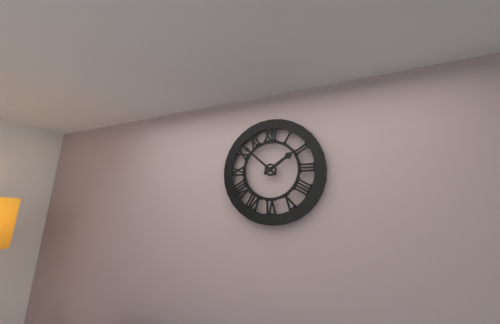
1,52
